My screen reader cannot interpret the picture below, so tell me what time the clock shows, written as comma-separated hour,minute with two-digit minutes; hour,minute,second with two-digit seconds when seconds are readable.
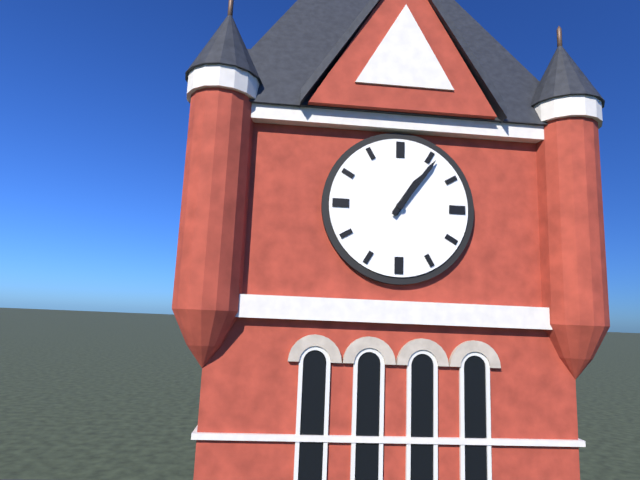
1,06
